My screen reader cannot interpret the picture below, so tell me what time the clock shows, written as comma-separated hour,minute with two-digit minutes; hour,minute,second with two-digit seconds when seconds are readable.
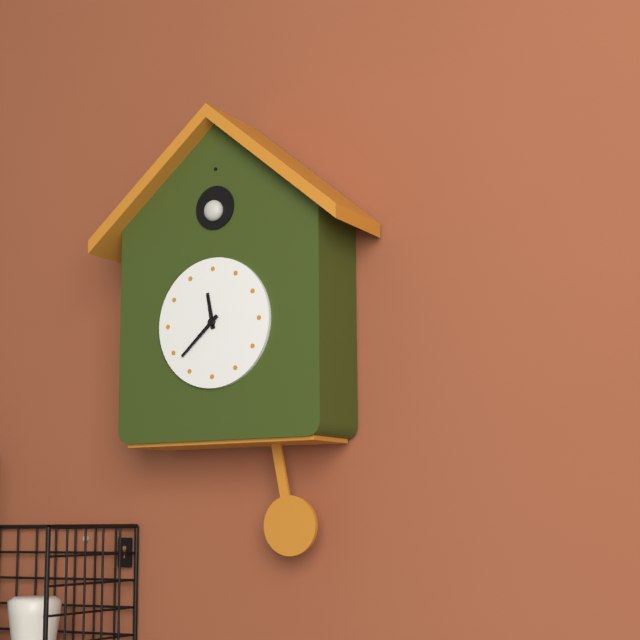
11,38
